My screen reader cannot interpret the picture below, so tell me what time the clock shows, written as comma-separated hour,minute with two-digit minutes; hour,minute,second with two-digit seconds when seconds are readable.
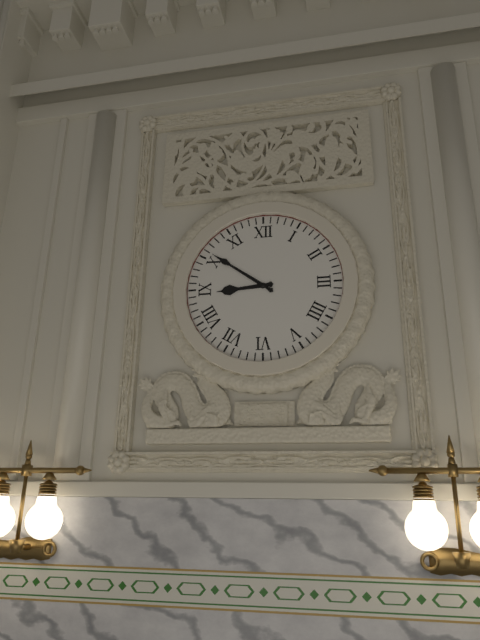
8,51
